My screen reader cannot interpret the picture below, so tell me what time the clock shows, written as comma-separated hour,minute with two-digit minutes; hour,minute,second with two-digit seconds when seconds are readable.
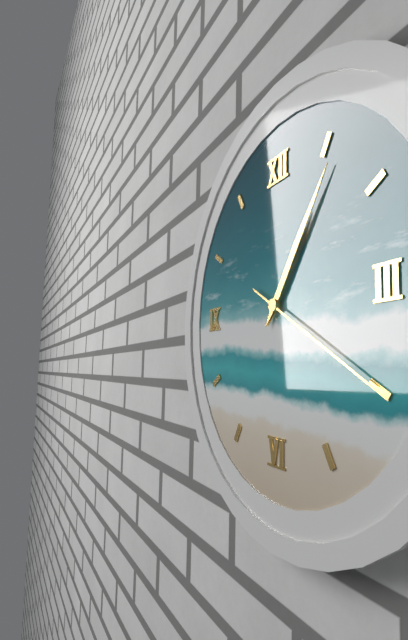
1,06,20
